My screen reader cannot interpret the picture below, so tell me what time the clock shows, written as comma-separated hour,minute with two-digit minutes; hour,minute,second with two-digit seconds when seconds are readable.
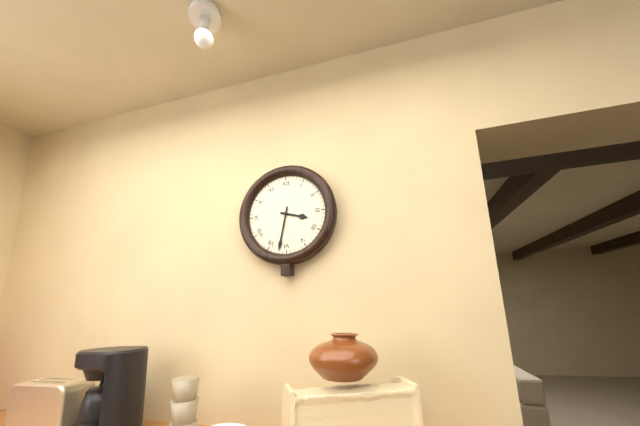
3,32
